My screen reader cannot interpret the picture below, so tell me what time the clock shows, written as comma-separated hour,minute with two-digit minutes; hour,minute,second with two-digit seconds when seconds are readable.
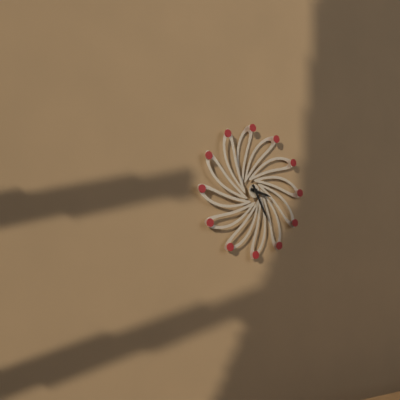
3,25
